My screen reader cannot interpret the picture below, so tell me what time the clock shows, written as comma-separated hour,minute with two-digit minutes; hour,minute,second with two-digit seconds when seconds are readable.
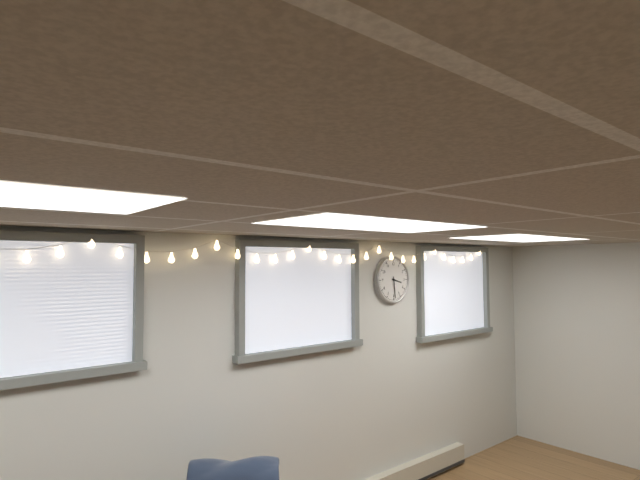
3,29
